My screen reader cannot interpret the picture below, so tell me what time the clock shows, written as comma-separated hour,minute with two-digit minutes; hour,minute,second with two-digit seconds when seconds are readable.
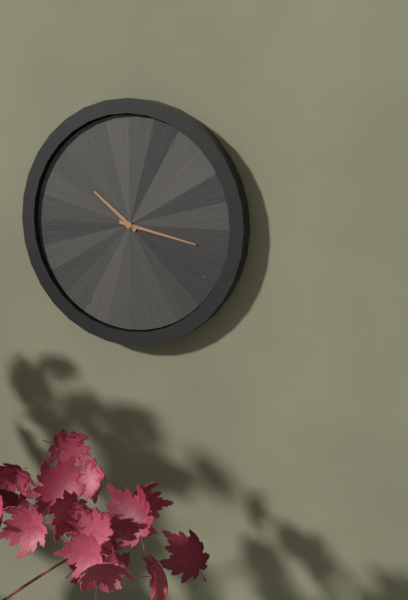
10,17
